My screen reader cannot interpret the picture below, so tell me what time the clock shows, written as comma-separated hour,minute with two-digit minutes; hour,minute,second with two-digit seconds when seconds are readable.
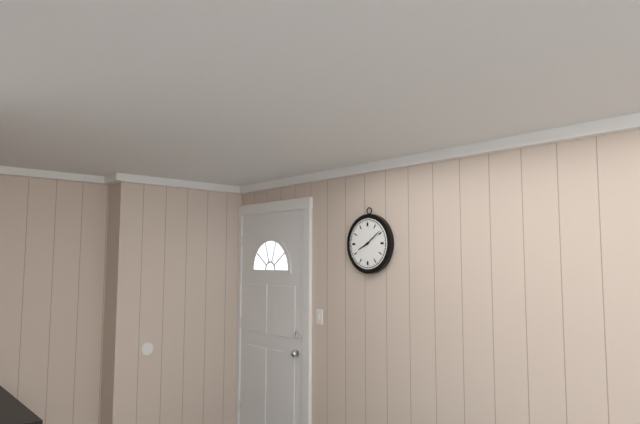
8,09
